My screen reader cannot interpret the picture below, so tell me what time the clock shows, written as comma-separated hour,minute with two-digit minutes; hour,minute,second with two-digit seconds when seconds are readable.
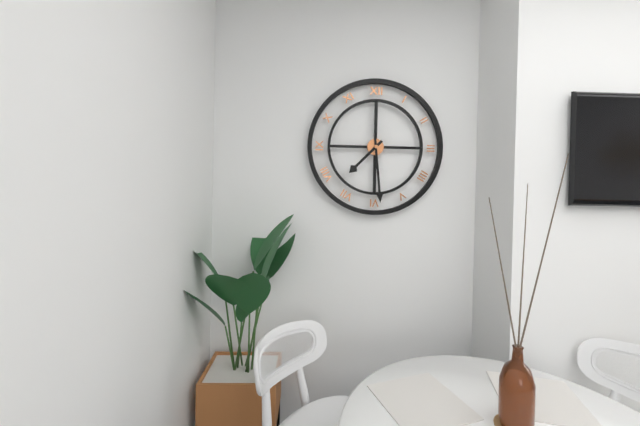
7,29
